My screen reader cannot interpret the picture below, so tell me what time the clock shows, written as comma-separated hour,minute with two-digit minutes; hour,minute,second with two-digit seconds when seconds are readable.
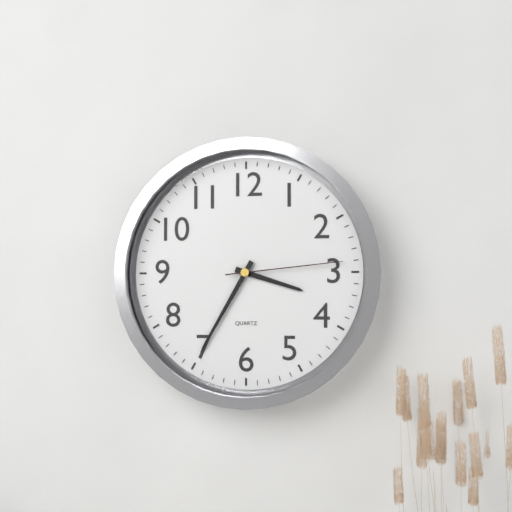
3,35,14
